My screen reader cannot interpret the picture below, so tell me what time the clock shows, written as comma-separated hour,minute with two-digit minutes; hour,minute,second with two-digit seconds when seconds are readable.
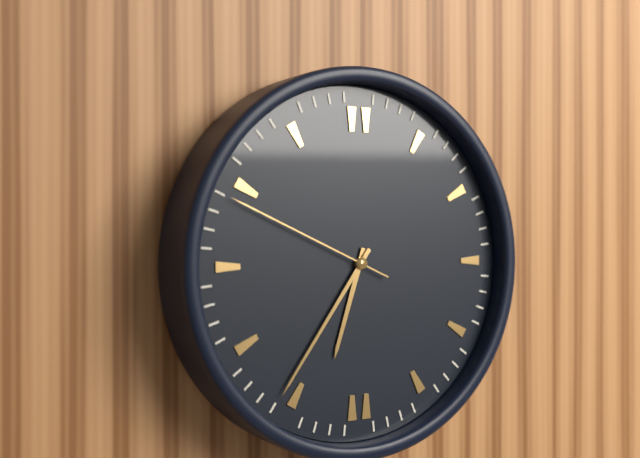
6,36,49
